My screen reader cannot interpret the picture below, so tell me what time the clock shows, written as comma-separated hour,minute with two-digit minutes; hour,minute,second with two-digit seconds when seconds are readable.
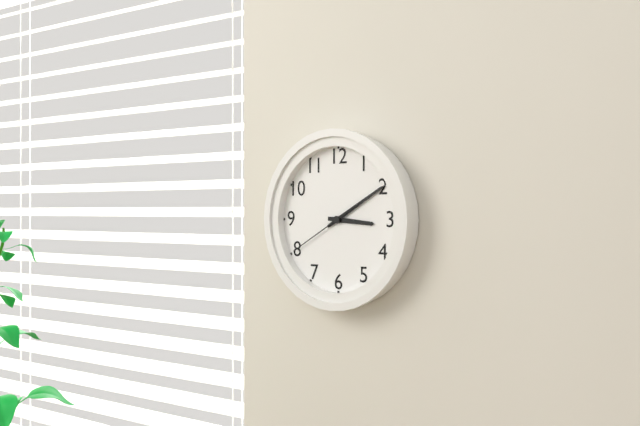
3,10,40
